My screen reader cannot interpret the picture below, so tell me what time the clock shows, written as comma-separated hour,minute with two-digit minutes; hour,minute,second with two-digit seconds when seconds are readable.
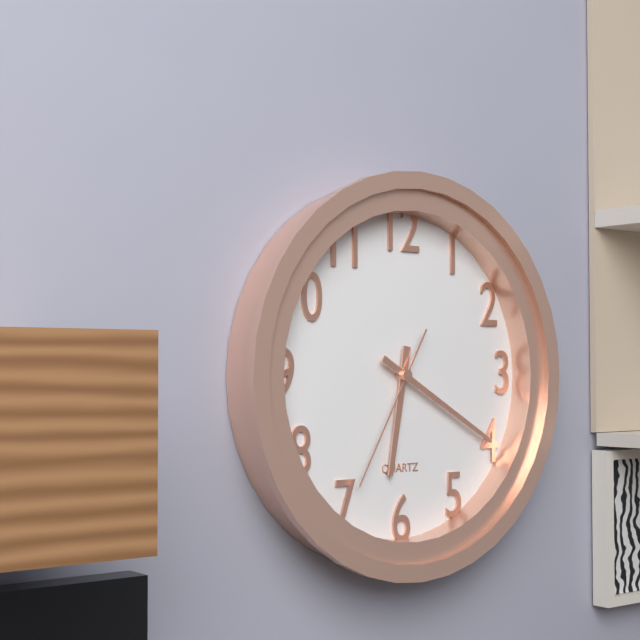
6,20,35
